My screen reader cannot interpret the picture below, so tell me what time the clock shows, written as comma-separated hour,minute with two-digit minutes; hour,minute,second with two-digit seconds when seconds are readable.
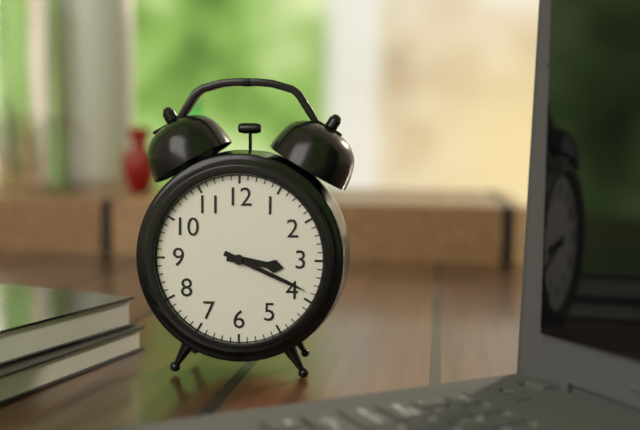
3,19
